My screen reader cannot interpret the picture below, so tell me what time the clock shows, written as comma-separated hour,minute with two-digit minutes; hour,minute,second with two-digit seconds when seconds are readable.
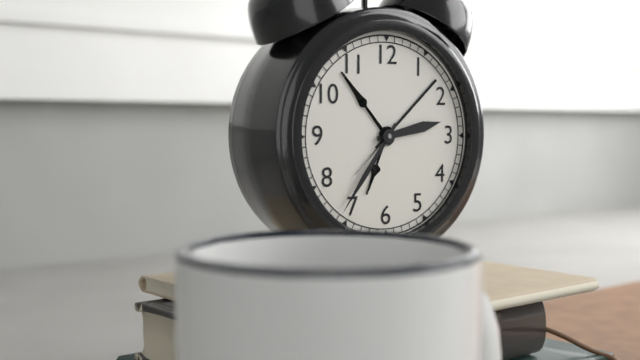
2,36
